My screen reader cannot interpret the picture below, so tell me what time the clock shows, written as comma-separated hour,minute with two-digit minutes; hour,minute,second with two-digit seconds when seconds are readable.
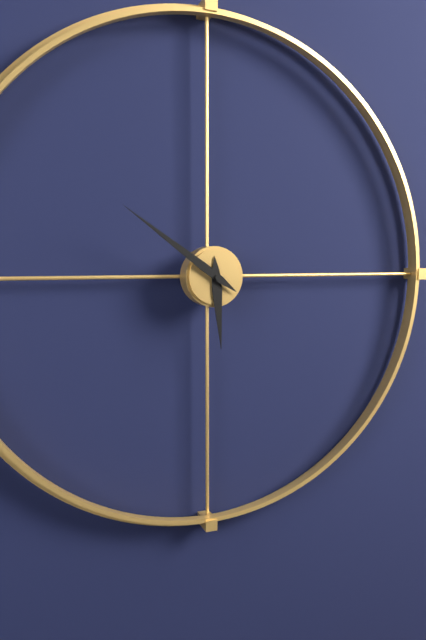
5,51
